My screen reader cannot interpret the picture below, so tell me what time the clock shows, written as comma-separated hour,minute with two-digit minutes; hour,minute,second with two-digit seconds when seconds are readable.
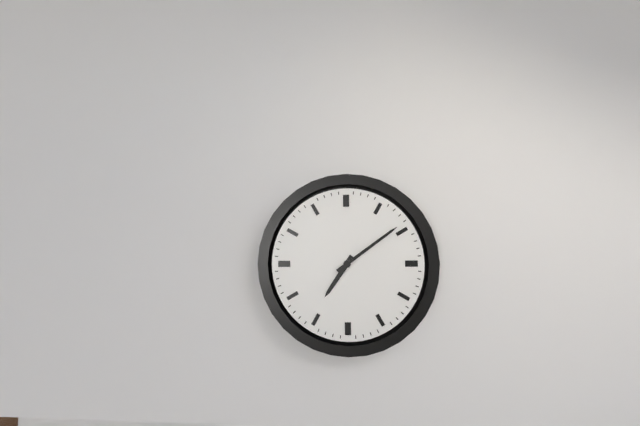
7,09
